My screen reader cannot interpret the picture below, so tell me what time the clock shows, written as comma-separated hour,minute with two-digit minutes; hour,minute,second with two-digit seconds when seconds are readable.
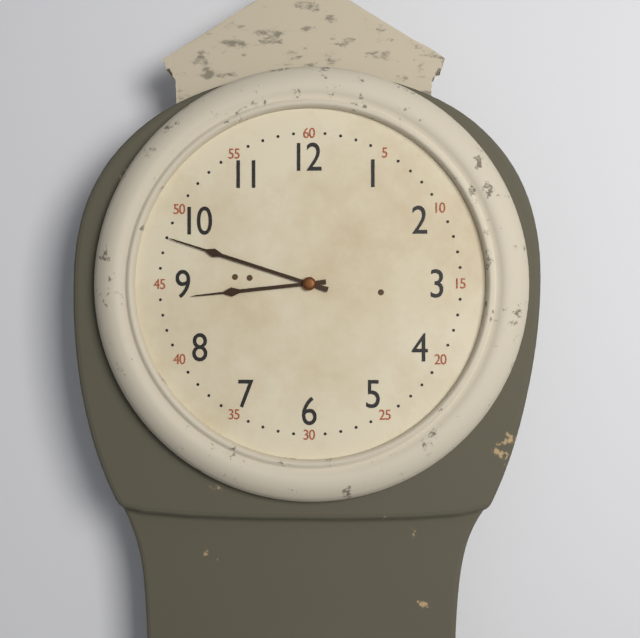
8,48
